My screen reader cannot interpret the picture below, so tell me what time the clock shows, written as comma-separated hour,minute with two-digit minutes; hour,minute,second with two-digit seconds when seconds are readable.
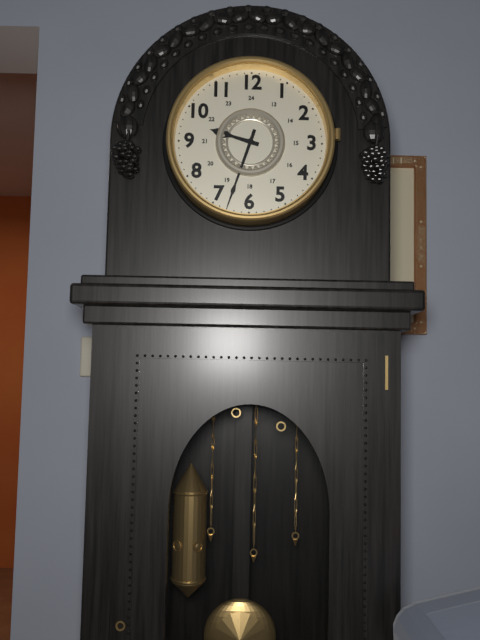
9,33
